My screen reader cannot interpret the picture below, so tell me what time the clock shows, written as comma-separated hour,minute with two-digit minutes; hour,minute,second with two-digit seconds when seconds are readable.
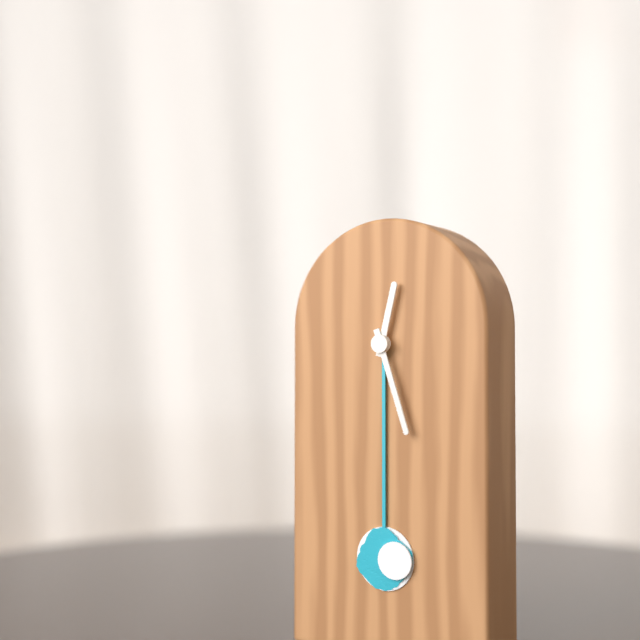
12,27
